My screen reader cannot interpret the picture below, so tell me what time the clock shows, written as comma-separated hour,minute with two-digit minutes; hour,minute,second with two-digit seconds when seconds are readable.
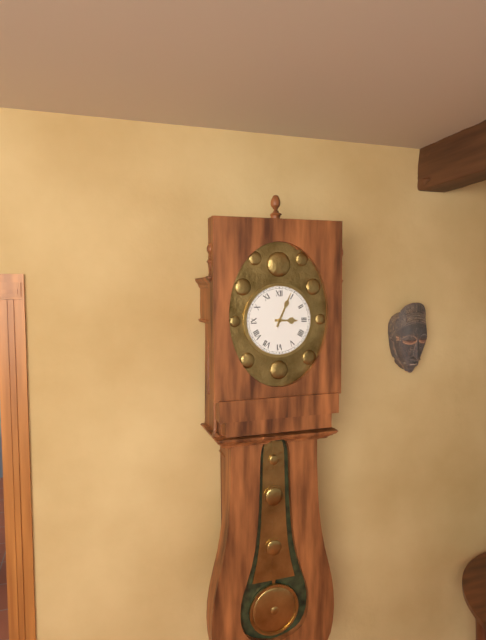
3,04
